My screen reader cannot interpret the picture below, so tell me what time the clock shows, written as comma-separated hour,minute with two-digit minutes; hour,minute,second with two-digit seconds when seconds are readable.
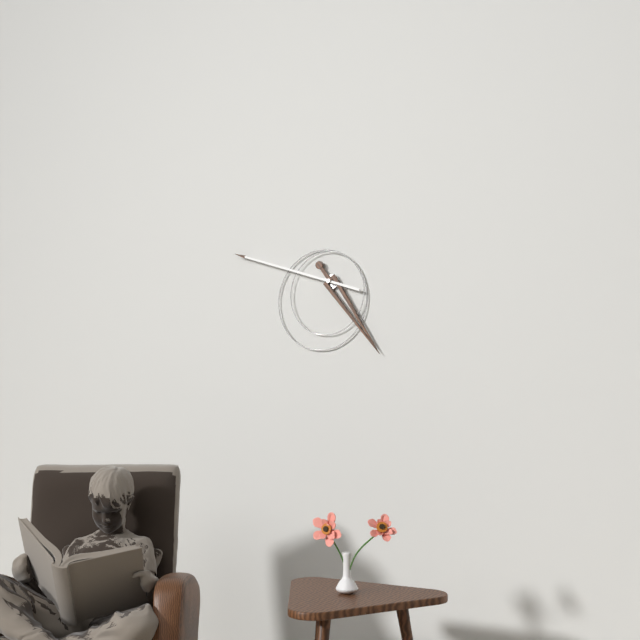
4,48
